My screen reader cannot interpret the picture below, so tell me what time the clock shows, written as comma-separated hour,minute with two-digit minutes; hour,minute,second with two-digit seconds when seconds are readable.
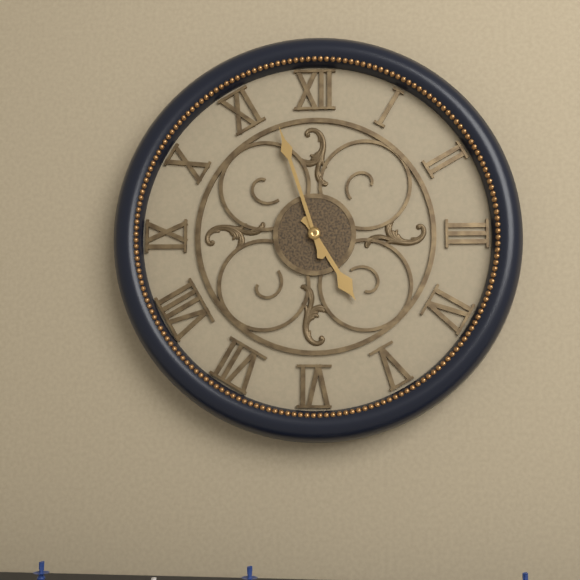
4,57
